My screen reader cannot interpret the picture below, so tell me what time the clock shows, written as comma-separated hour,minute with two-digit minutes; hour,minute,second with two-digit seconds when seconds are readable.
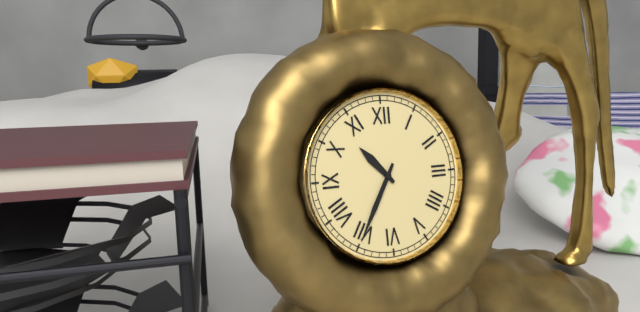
10,35
